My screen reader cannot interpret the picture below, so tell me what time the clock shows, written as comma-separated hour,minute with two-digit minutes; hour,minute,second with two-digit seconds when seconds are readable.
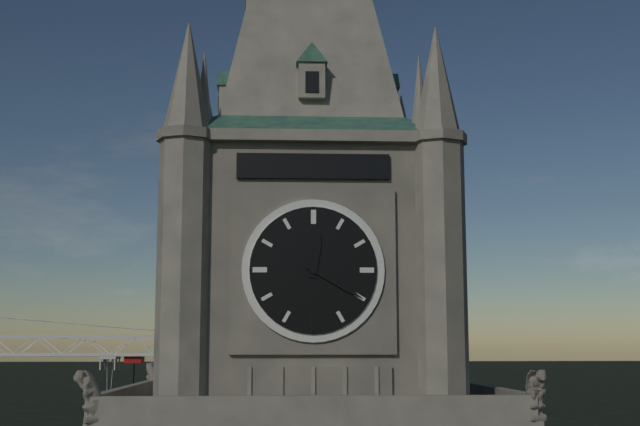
12,20
